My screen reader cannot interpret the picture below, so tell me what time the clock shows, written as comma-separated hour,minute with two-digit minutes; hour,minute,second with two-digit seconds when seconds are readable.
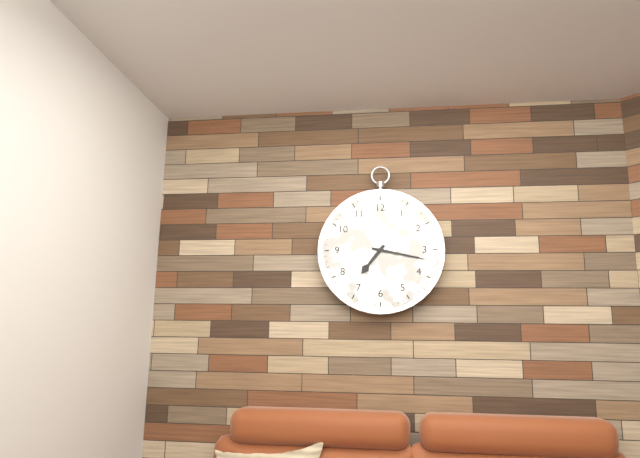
7,17
